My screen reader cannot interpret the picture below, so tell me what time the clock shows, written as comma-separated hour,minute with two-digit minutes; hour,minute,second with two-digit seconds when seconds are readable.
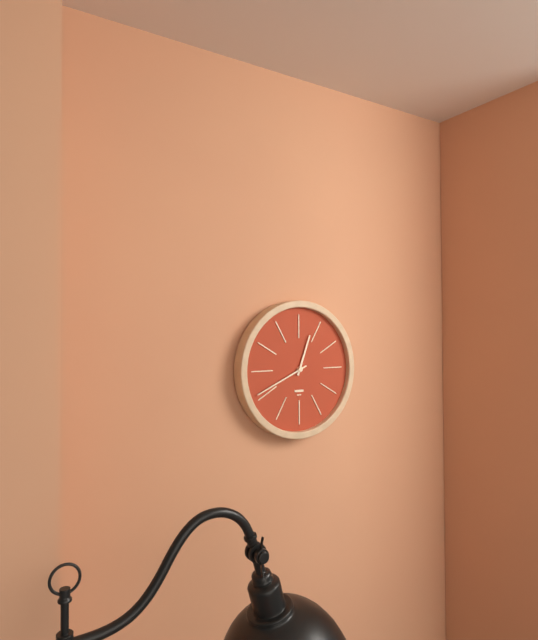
12,41
